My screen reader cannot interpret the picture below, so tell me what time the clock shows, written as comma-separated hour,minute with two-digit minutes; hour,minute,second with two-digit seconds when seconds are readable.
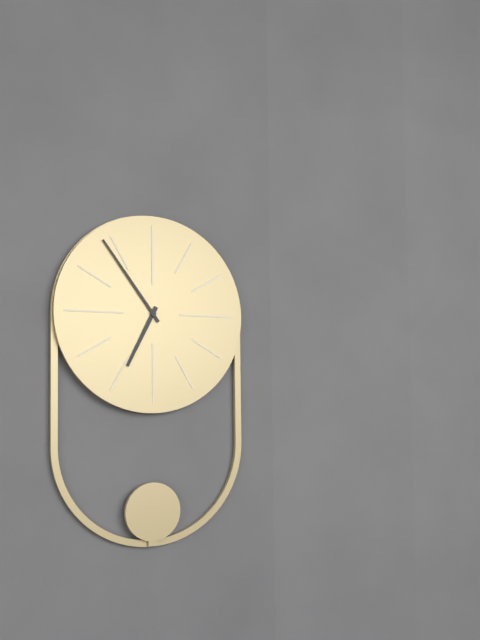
6,54
